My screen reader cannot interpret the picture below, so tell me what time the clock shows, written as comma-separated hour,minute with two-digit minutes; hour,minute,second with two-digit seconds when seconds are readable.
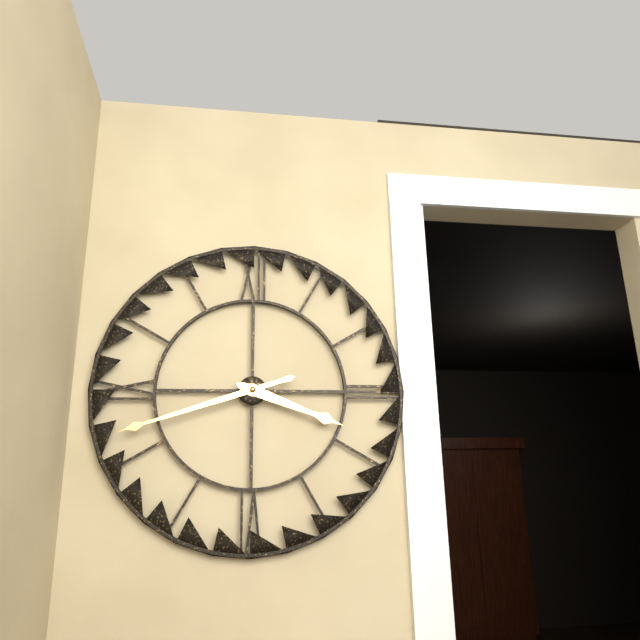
3,42
